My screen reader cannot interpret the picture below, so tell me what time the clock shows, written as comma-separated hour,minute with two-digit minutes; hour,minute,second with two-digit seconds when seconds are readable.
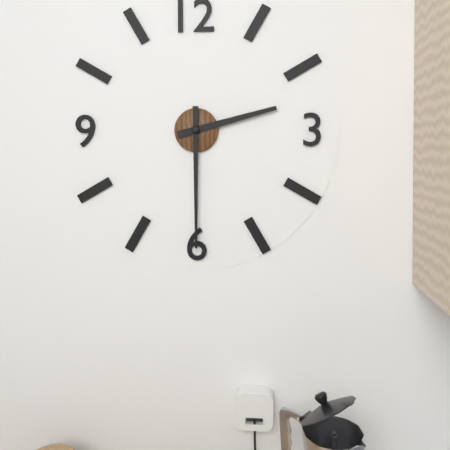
2,30
